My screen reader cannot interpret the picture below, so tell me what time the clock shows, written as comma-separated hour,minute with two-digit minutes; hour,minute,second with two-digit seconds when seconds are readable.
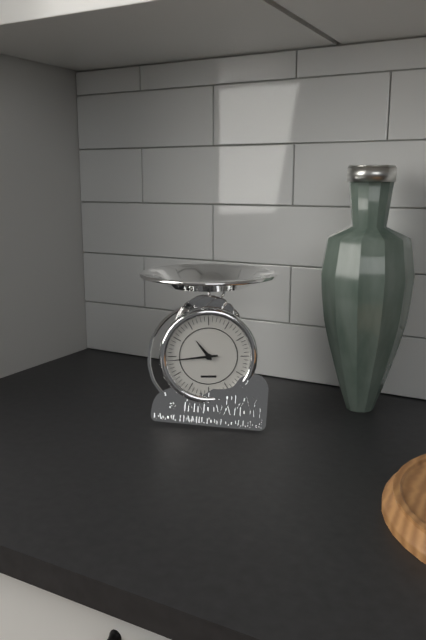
10,44
